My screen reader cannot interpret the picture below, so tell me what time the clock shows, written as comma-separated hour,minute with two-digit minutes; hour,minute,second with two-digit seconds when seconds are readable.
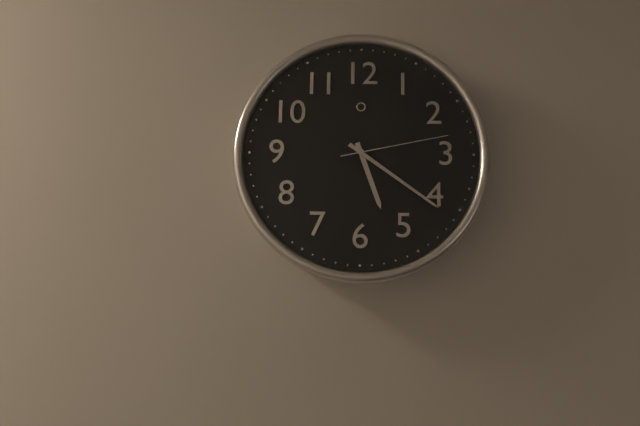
5,21,13
